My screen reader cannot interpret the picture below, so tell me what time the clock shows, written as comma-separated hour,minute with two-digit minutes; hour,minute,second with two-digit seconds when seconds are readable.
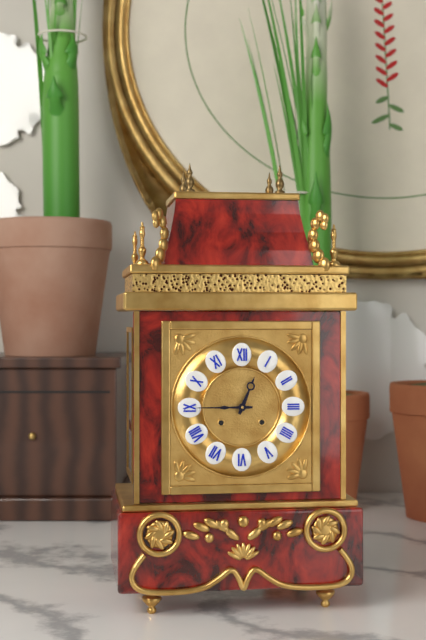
12,45
